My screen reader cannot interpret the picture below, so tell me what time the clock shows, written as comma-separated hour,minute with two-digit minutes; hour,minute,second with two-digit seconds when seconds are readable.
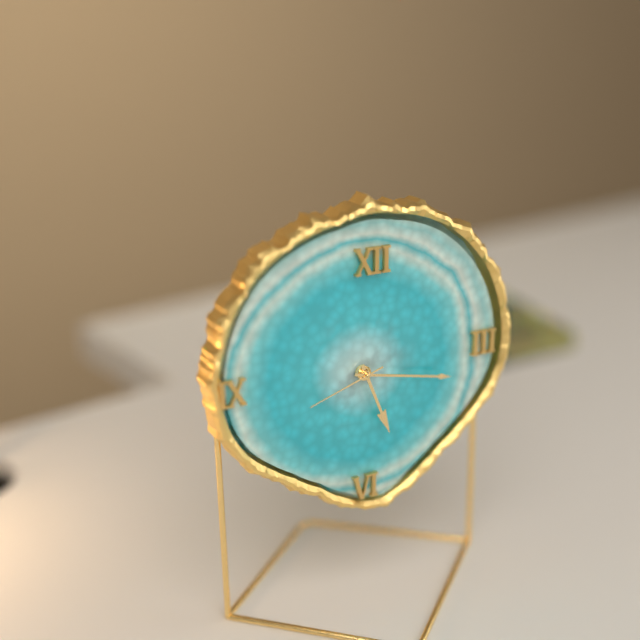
5,17,42
